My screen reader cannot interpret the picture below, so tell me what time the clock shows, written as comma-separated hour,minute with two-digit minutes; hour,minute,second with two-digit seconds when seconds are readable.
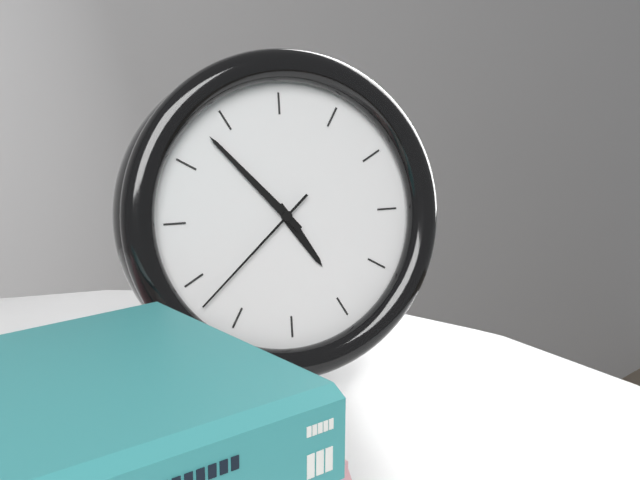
4,53,38
